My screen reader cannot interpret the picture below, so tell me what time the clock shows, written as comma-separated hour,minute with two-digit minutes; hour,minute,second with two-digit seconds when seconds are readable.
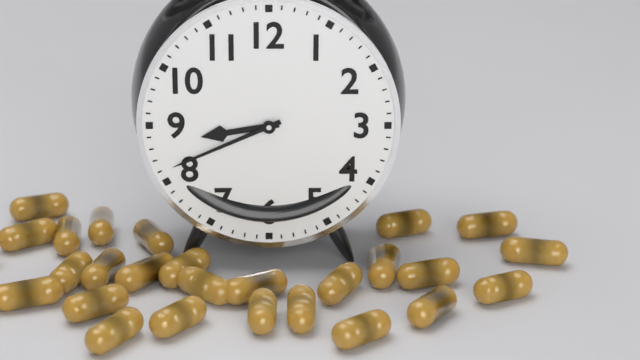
8,41
